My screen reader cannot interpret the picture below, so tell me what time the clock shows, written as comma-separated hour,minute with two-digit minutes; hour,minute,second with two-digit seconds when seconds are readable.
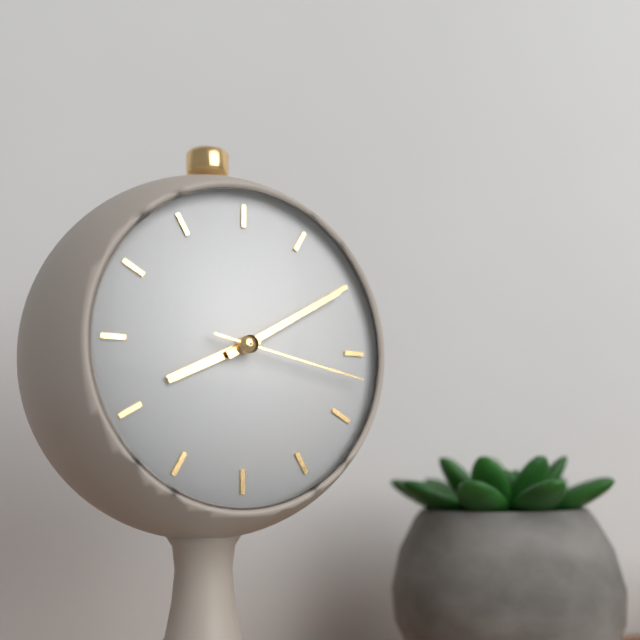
8,10,17
